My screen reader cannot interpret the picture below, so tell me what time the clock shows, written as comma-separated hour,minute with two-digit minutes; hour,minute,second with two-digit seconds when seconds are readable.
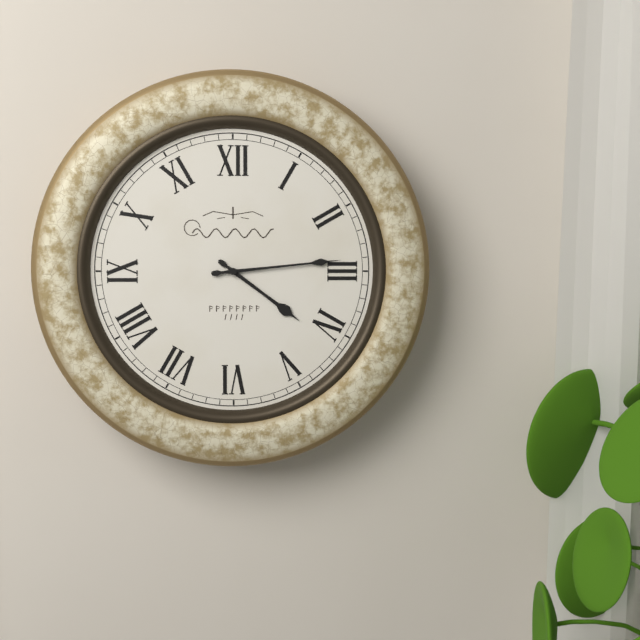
4,14
